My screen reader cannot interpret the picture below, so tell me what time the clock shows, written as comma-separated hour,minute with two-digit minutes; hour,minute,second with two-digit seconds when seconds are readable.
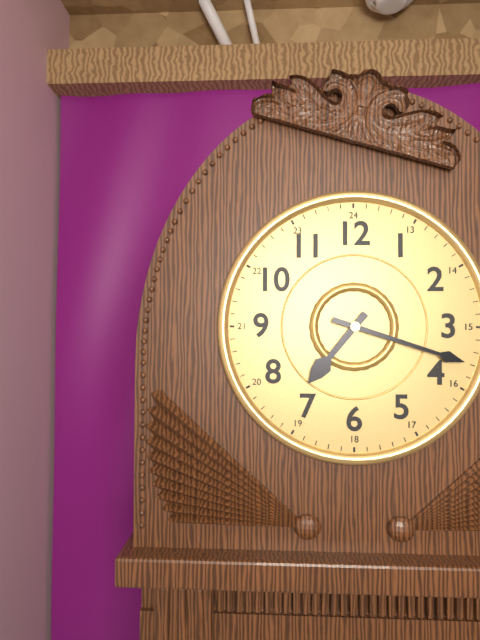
7,18
